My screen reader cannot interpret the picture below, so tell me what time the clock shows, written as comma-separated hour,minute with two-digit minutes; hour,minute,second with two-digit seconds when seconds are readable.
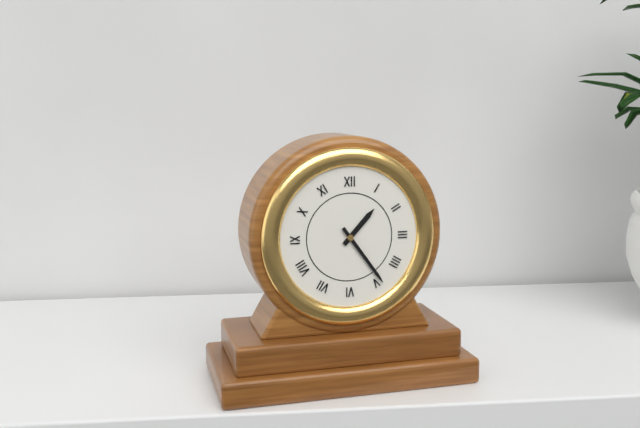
1,24
